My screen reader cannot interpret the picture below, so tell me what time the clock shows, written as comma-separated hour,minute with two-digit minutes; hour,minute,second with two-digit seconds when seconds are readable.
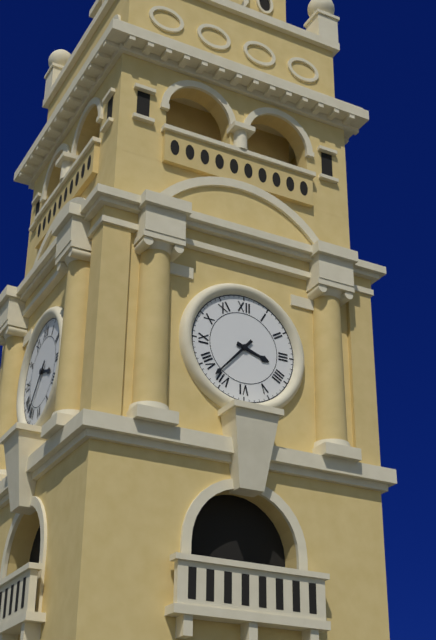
3,37
